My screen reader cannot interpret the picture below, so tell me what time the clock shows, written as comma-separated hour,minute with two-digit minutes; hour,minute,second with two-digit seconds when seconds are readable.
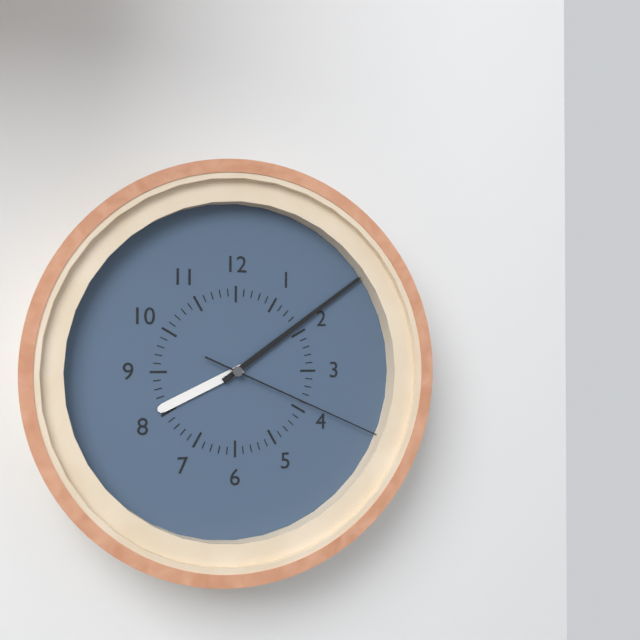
8,09,19
